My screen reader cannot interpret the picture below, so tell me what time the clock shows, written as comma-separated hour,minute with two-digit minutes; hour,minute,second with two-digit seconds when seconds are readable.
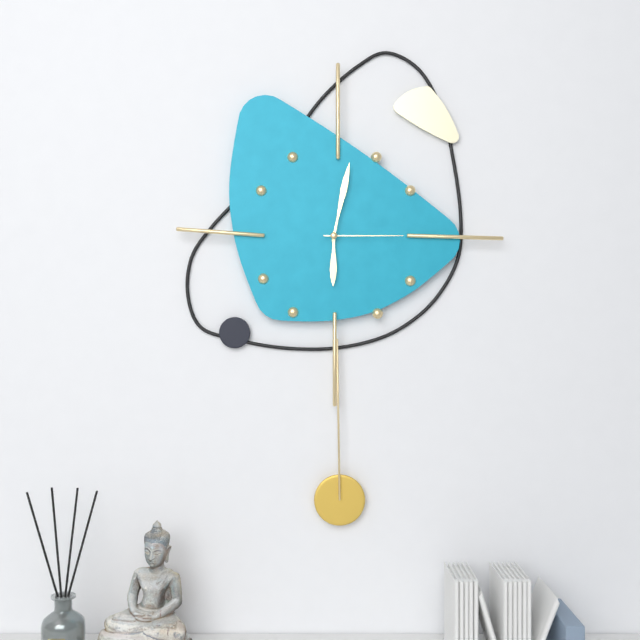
6,02,15
